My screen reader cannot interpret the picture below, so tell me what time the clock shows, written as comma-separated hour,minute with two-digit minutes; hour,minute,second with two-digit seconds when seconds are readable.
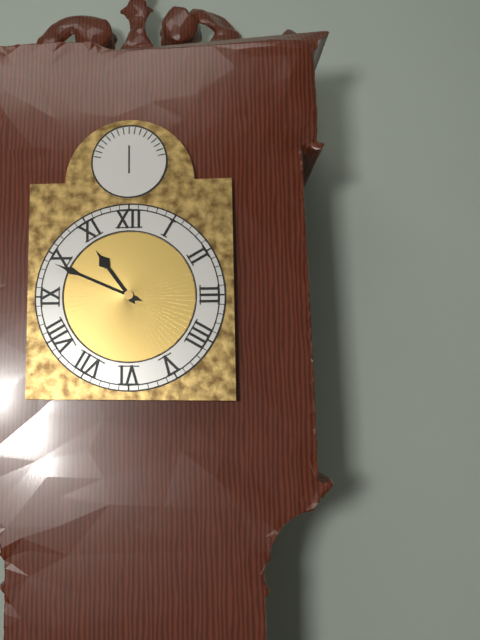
10,49
